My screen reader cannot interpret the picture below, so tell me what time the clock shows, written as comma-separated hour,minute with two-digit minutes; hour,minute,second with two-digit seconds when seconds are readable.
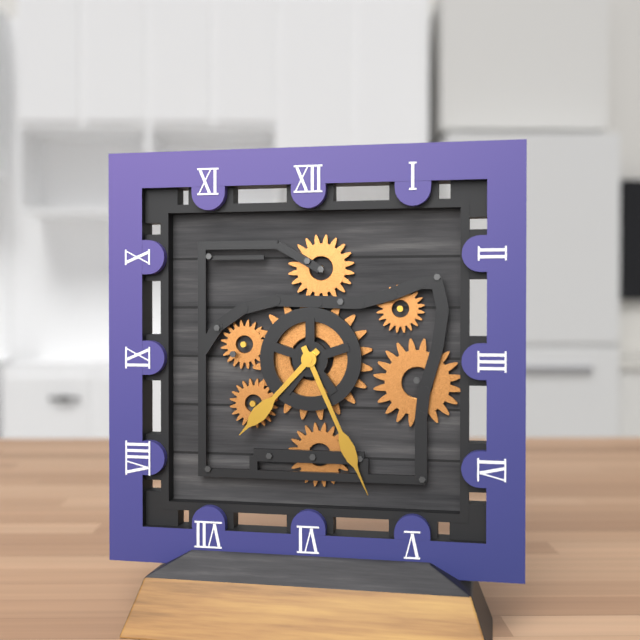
7,26
